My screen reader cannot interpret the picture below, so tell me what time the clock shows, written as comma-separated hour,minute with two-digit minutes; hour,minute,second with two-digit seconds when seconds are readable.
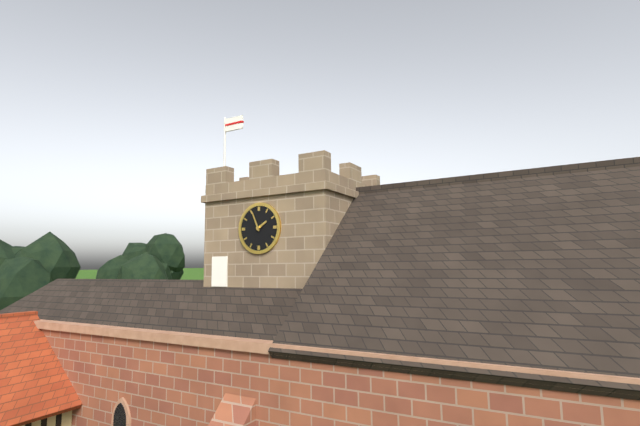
1,56
